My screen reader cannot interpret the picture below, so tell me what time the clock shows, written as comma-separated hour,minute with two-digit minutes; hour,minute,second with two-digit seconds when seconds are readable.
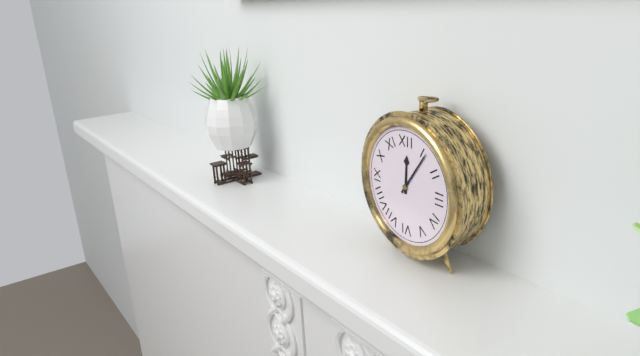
12,06
